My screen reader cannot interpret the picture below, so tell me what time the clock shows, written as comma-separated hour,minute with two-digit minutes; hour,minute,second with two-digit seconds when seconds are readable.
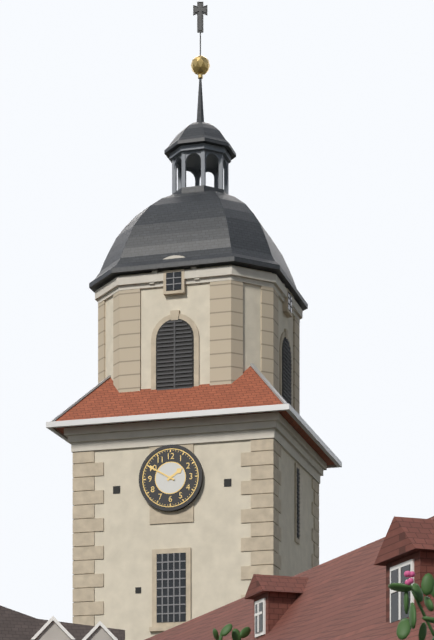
1,50
